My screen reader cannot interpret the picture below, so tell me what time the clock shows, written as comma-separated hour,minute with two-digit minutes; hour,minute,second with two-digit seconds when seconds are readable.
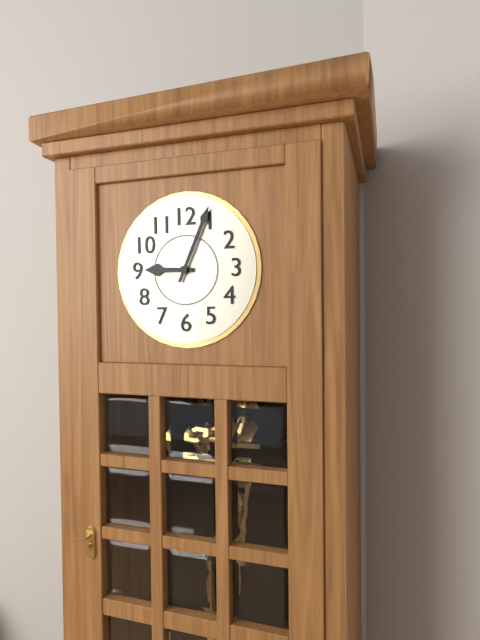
9,04
